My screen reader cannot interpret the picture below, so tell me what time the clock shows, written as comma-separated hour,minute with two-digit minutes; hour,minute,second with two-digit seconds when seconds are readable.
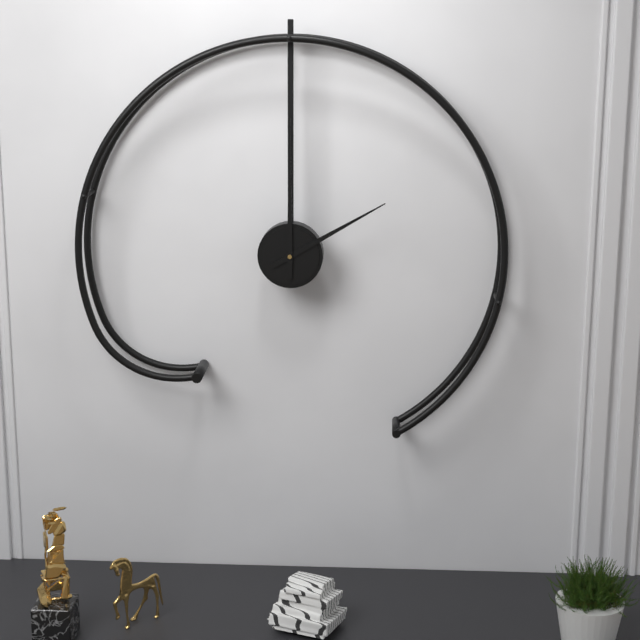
2,00
